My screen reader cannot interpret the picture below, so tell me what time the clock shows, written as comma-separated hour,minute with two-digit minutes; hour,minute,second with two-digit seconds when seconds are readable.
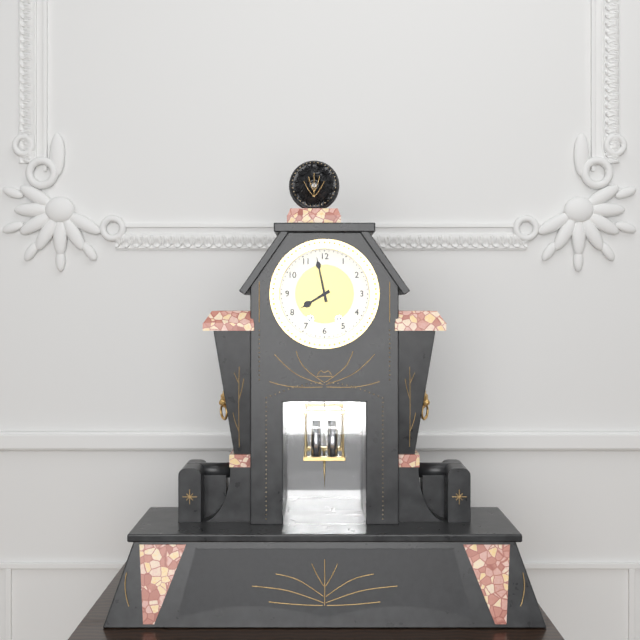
7,58
